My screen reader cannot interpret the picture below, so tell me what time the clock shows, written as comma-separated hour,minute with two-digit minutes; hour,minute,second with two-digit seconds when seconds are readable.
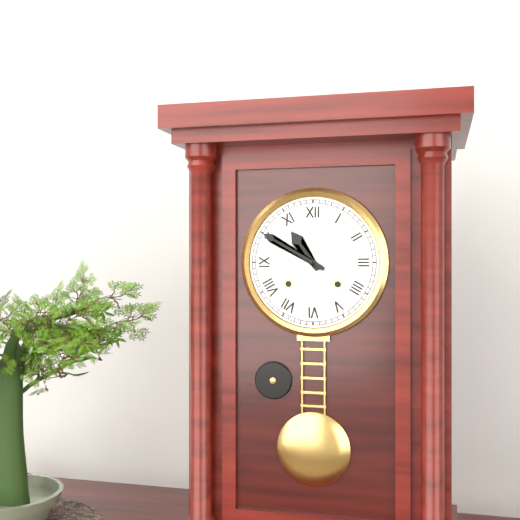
10,50
